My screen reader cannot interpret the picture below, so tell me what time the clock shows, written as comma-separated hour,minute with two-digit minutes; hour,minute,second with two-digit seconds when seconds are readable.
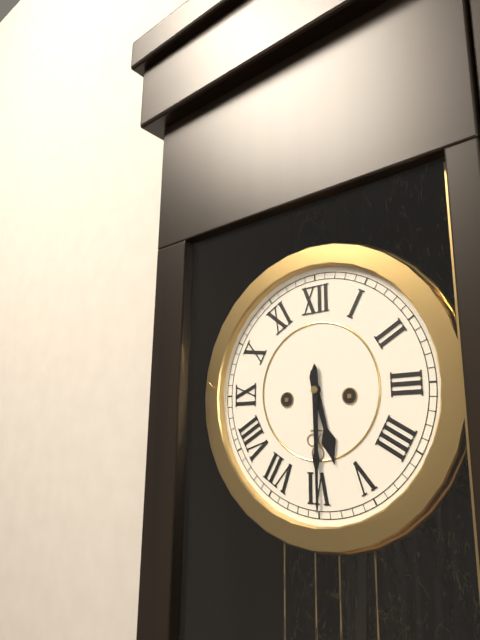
5,30
